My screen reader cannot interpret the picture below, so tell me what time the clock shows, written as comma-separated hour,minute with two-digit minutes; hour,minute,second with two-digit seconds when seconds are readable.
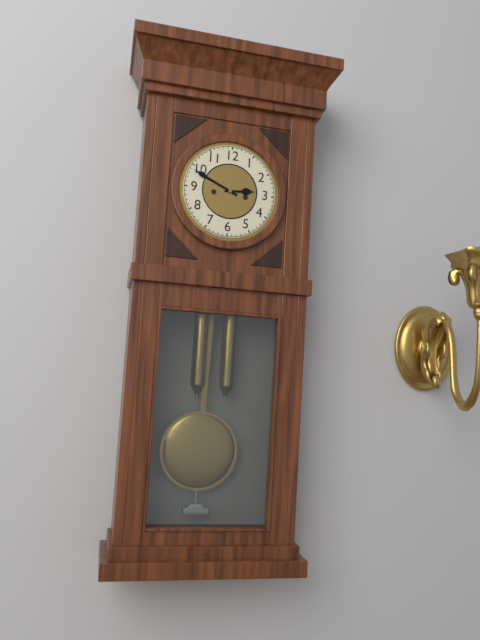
2,49
